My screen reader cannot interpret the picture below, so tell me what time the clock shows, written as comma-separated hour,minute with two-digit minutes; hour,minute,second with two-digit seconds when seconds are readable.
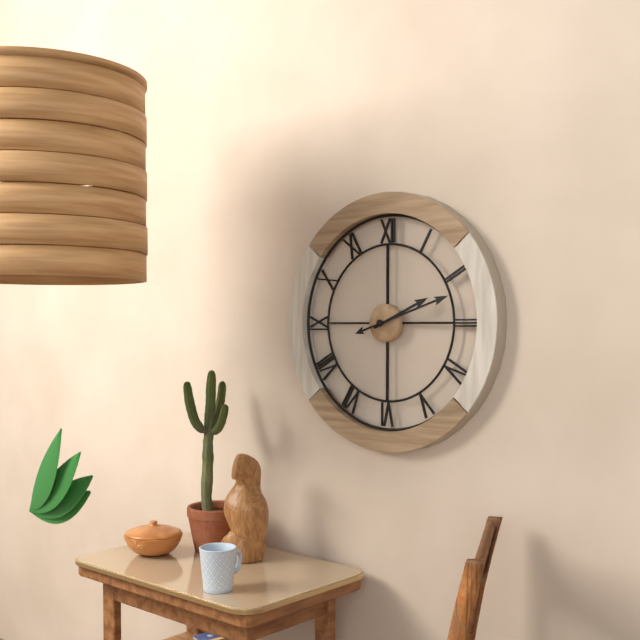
2,12
